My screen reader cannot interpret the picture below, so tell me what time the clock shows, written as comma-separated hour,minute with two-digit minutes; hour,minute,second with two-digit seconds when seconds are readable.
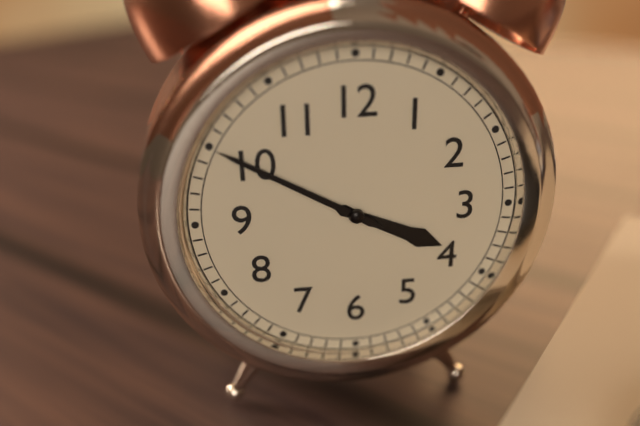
3,50
